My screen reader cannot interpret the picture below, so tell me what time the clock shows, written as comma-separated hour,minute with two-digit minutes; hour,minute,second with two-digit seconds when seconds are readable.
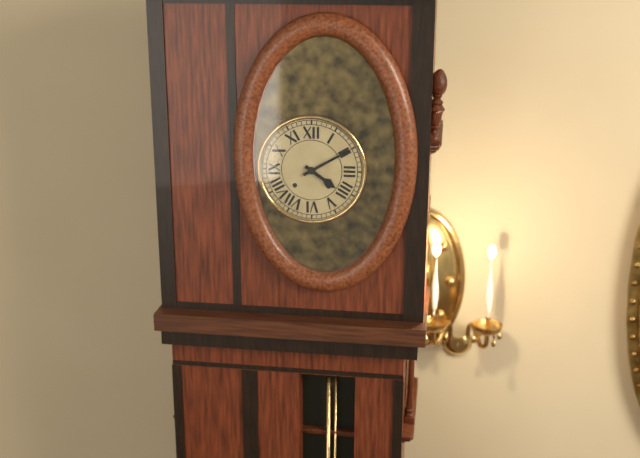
4,10
